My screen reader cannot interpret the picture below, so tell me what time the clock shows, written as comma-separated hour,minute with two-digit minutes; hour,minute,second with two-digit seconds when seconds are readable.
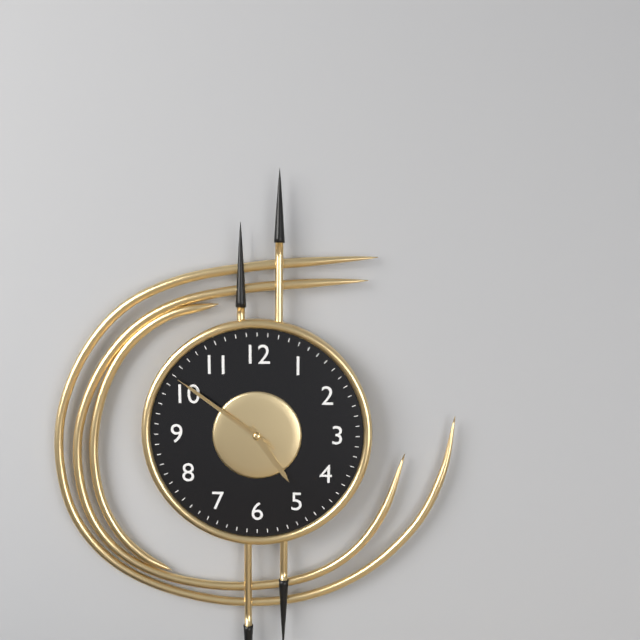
4,51,51
